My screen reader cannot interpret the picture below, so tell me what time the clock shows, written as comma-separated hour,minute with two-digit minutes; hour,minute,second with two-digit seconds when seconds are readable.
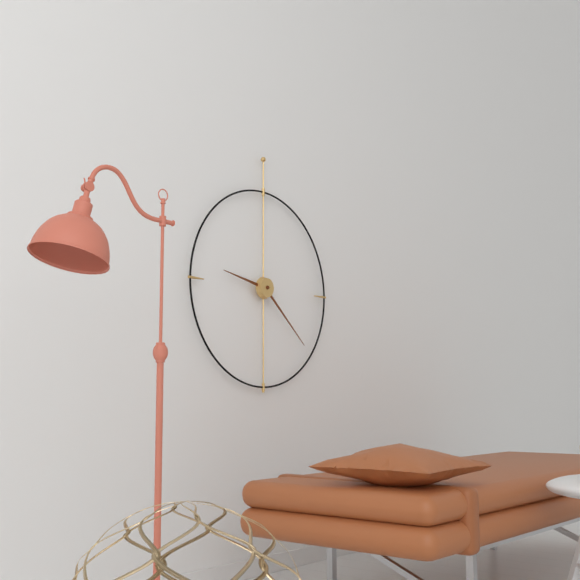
9,22
